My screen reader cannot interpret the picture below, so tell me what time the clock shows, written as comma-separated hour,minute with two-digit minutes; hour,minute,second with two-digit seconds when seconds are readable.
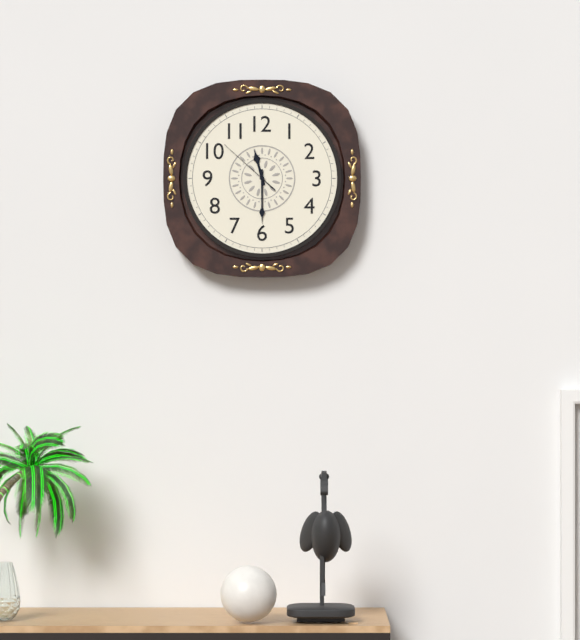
11,30,52
